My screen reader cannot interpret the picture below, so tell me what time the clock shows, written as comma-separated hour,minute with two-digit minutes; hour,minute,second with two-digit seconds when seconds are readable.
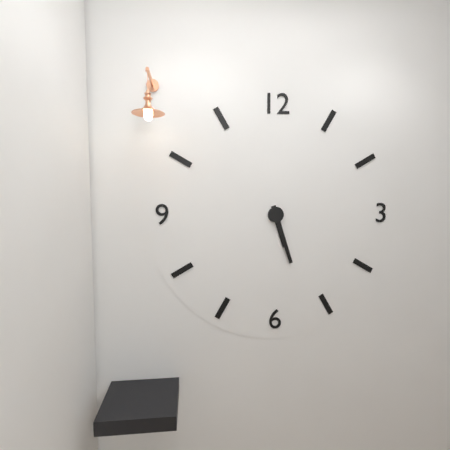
5,27
